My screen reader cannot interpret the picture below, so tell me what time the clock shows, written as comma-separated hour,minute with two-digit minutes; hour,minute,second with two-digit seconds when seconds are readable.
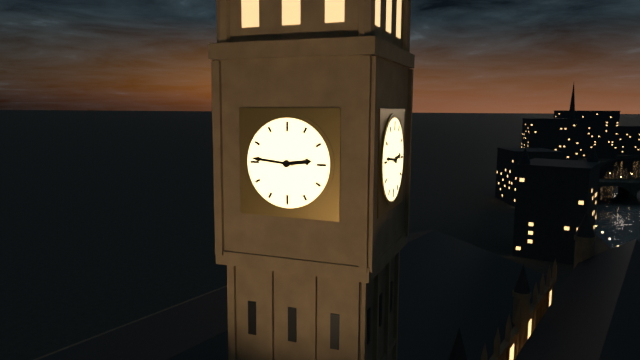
2,46
